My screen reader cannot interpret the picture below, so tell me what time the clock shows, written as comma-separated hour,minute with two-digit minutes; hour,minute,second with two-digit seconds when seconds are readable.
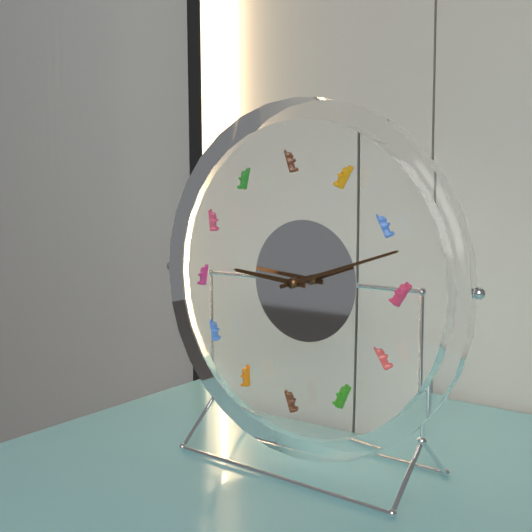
9,12
